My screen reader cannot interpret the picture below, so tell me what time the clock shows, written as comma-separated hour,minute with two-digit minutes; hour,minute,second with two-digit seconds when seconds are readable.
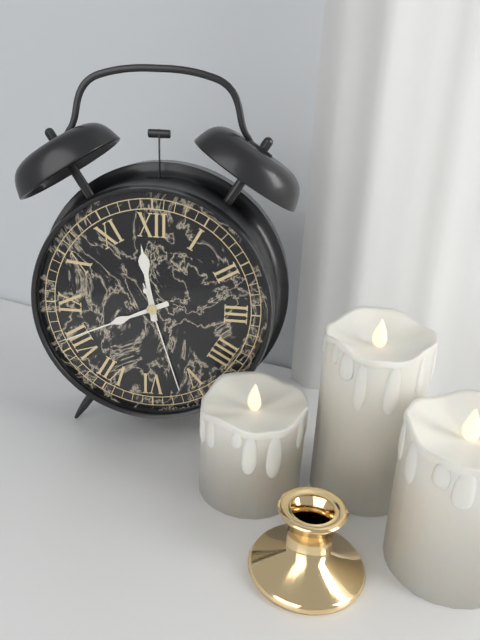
11,41,27
